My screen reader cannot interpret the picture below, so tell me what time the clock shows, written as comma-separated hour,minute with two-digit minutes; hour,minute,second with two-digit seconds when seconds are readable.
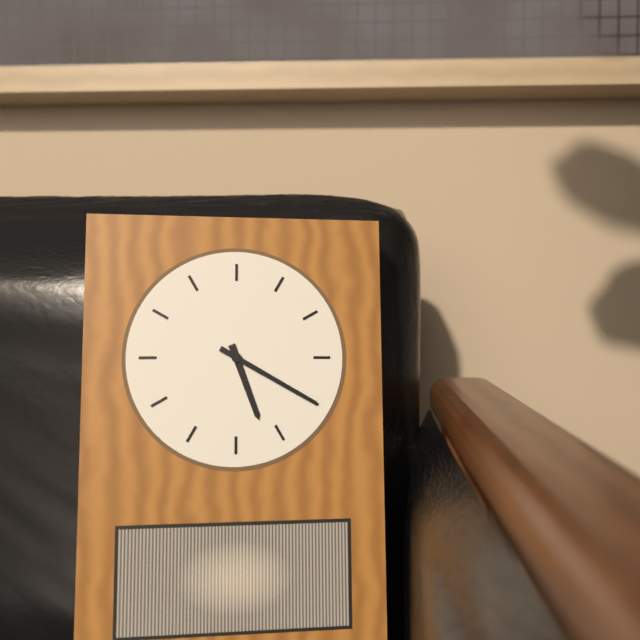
5,20
